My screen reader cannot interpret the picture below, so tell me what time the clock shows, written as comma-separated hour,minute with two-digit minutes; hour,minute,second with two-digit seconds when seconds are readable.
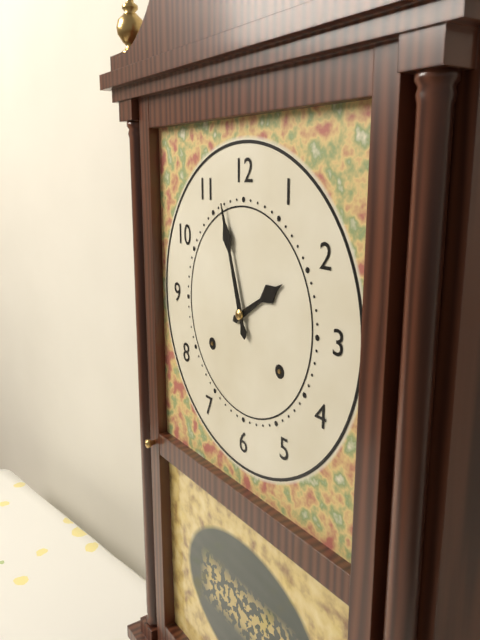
1,57
